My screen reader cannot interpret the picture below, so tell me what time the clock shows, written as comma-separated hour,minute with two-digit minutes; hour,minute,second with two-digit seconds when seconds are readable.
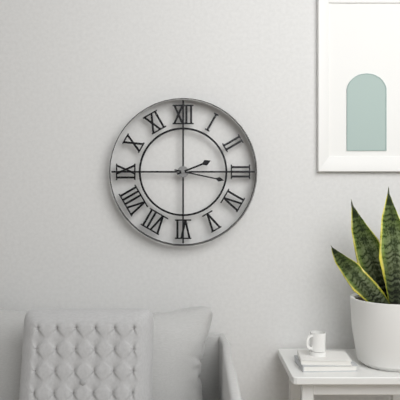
2,17
